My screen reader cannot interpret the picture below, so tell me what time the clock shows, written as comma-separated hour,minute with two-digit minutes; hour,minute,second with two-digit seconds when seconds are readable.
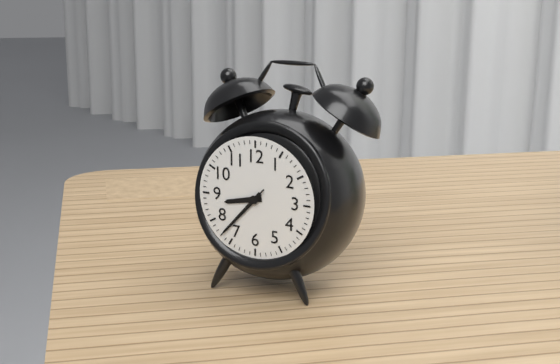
8,37,37
